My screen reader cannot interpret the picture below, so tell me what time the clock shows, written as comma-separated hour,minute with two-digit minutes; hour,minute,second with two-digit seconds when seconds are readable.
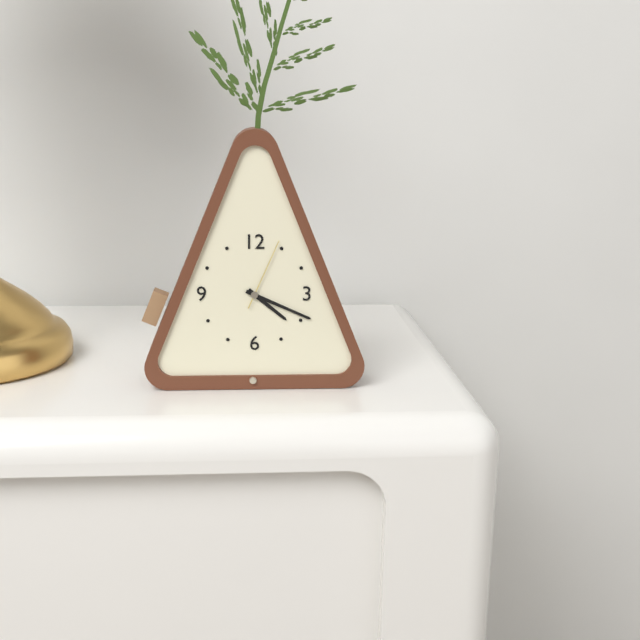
4,19,04
